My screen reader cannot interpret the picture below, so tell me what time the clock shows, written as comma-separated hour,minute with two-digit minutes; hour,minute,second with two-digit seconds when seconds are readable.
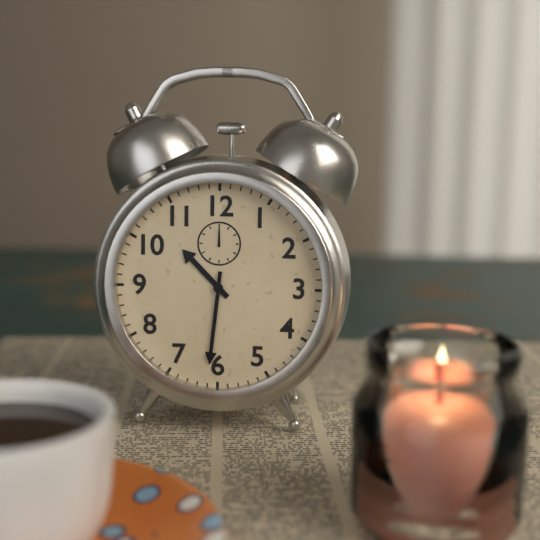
10,31
